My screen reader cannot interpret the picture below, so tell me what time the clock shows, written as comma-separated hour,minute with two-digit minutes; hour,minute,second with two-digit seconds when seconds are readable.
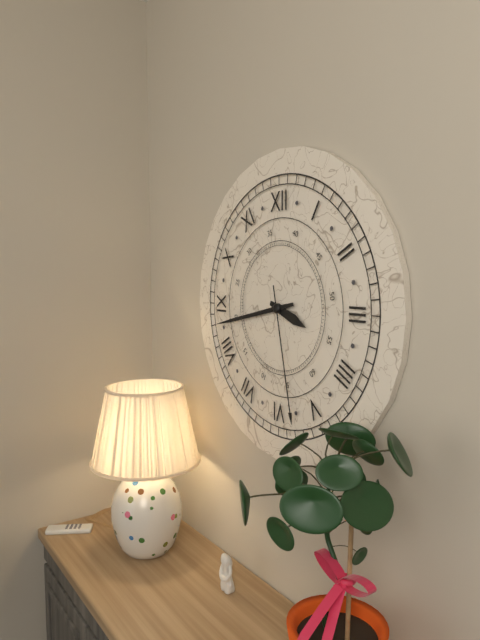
3,43,28
